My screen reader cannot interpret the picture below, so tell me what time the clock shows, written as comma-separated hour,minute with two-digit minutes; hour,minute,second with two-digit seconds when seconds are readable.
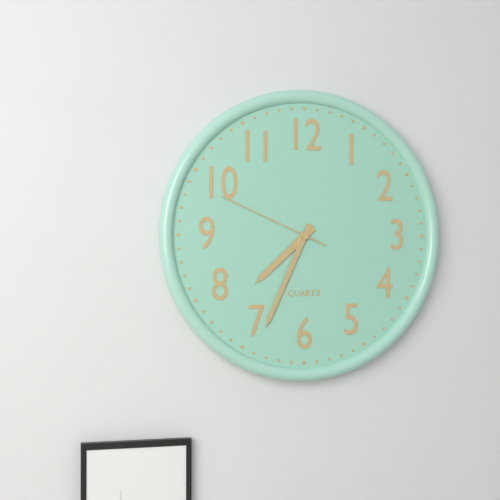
7,34,49
